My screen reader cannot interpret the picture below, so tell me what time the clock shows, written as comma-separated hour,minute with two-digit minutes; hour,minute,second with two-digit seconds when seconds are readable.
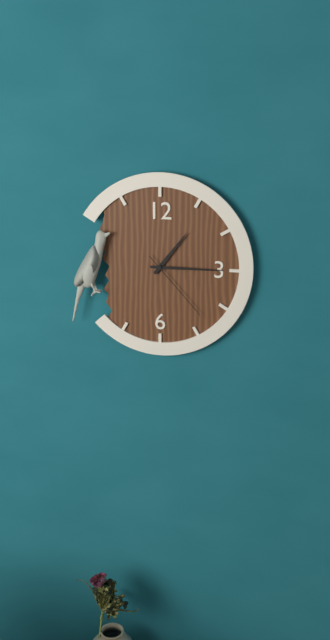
1,15,23
